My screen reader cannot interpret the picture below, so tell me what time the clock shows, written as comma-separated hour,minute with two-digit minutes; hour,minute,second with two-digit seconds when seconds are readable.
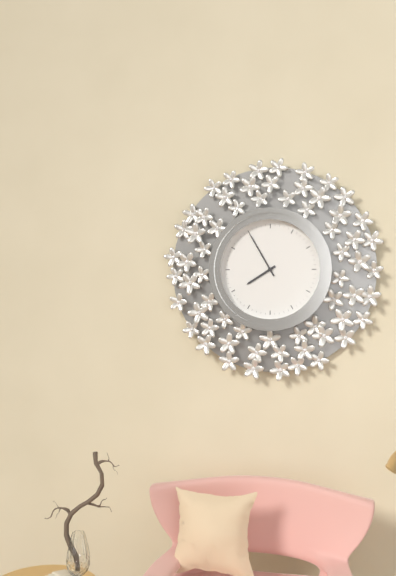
7,55
